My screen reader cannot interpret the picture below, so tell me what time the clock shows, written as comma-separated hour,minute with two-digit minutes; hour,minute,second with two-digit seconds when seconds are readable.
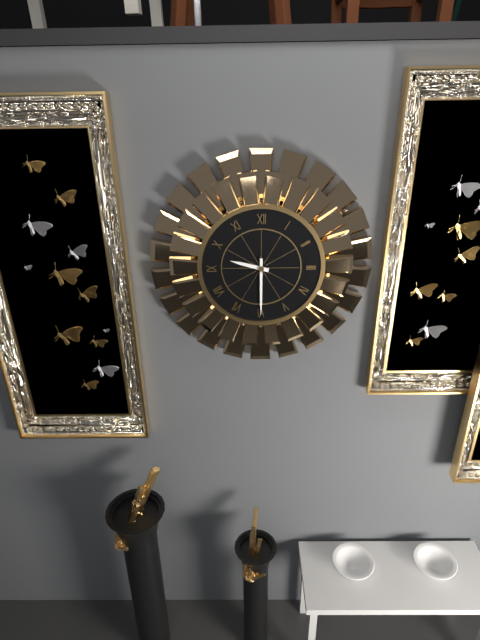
9,30
